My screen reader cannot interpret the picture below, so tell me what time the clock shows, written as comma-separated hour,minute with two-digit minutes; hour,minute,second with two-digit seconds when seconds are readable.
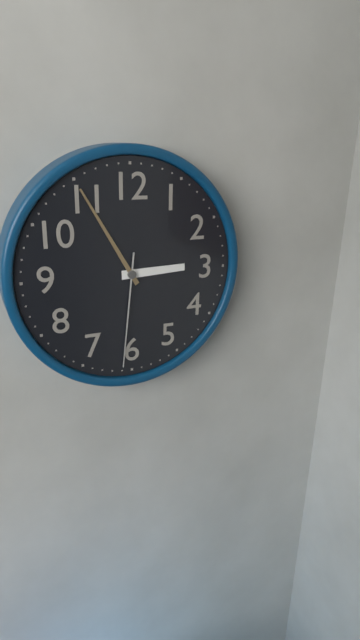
2,55,31
